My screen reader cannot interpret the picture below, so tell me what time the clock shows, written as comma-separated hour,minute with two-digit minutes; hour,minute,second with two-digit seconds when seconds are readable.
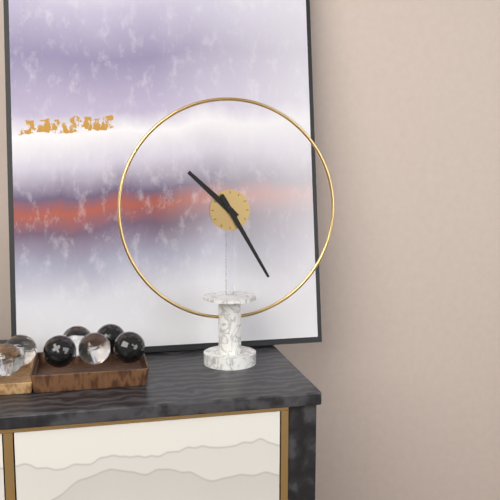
10,25
